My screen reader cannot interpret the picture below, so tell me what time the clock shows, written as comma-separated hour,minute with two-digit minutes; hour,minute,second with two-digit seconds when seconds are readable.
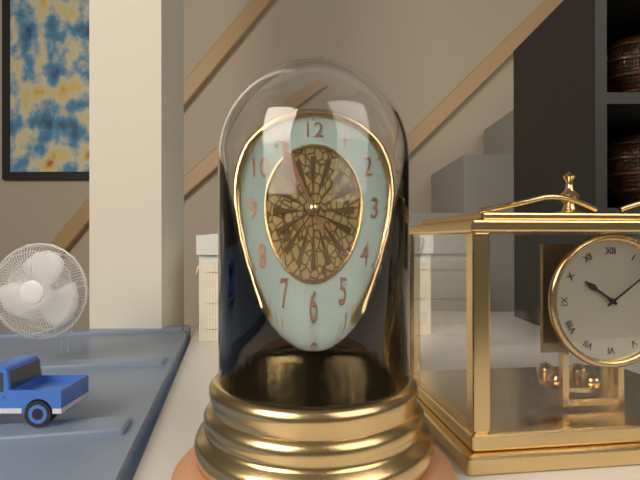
10,55
